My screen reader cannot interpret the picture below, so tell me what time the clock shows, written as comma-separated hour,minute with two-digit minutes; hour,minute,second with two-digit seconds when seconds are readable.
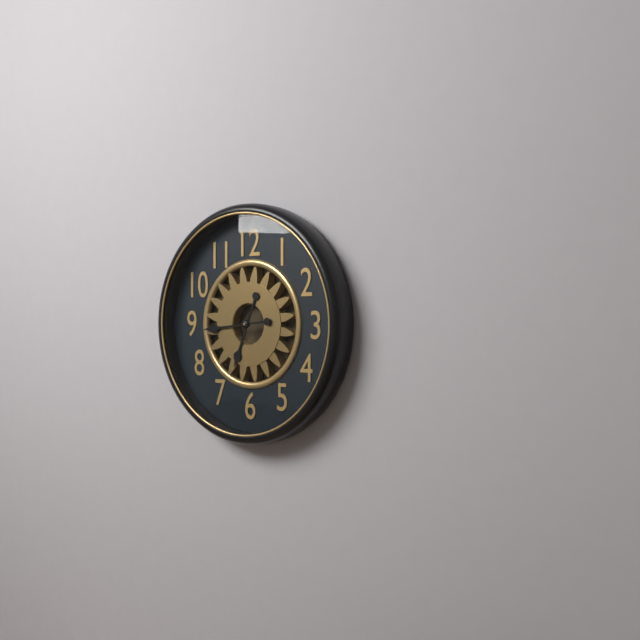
6,44
